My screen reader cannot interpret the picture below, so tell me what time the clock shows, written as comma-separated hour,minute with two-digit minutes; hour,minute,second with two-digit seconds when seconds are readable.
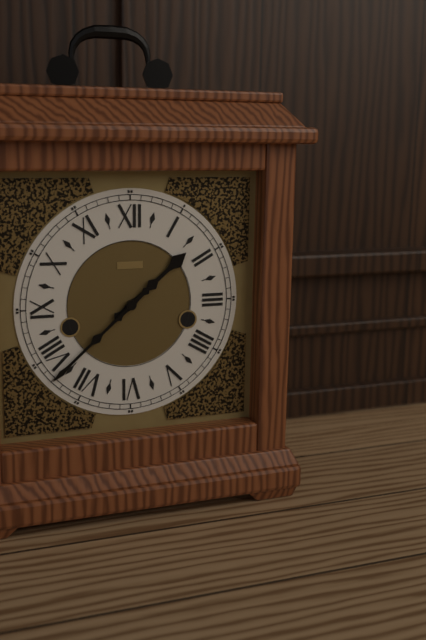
1,38
